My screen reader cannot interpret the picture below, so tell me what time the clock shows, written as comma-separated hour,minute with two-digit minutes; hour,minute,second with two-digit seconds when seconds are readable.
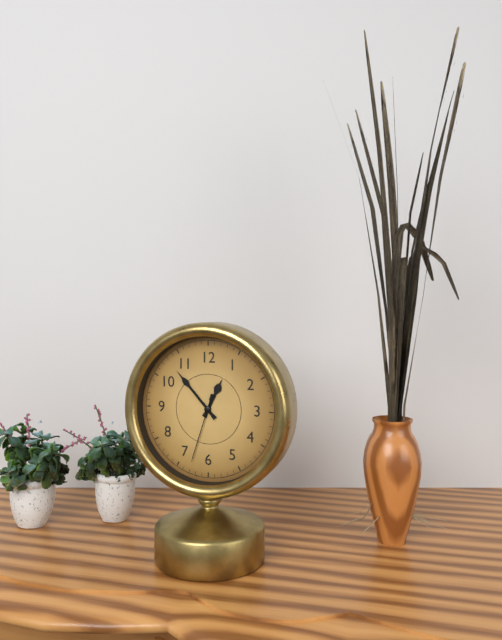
12,53,33
